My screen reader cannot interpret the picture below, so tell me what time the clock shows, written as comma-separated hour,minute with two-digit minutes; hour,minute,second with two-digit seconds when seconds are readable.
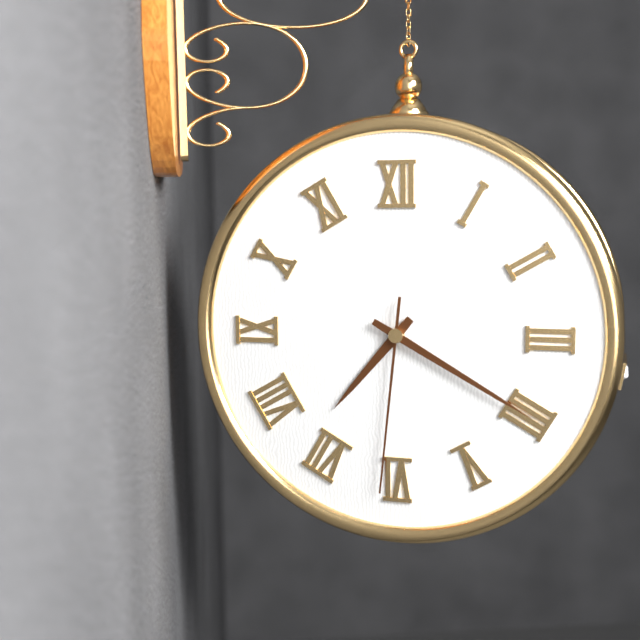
7,20,31
